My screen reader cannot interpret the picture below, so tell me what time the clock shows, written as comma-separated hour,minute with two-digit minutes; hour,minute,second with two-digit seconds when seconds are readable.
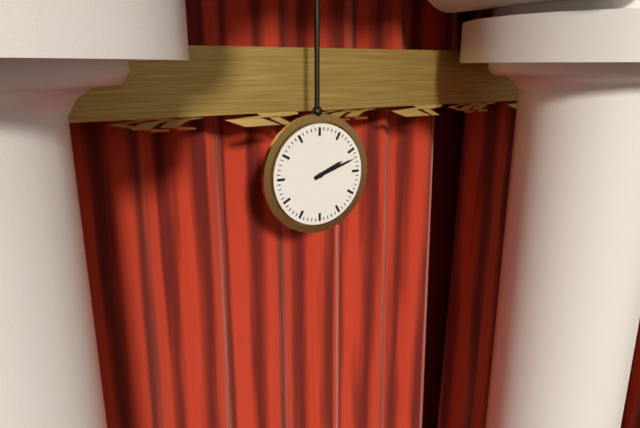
2,12
